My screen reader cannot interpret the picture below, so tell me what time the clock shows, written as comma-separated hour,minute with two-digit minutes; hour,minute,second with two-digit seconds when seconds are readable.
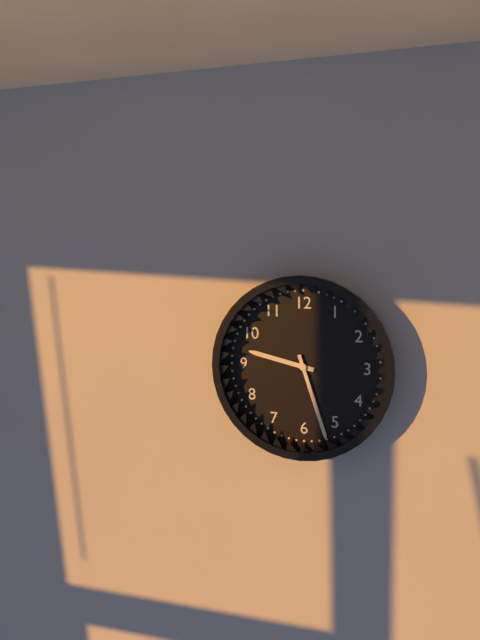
9,27
